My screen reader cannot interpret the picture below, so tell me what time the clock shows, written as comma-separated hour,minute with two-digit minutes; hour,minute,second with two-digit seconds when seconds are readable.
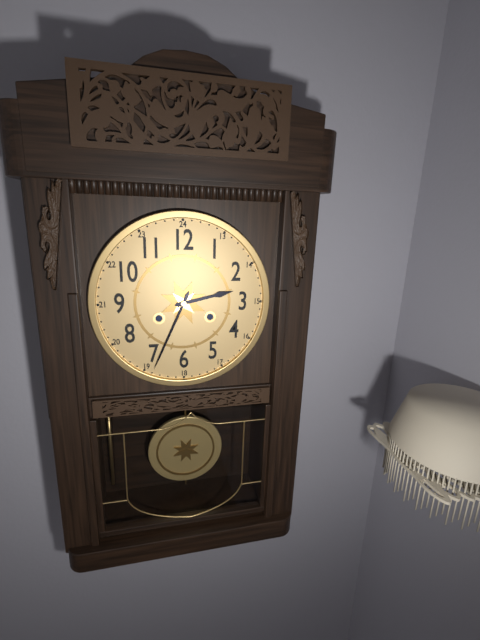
2,34
